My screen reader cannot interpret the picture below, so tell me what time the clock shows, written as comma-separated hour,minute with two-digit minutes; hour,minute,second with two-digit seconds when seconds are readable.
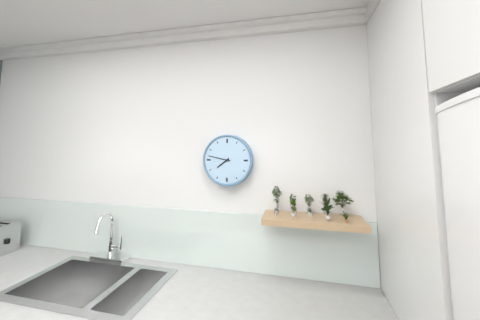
7,47
